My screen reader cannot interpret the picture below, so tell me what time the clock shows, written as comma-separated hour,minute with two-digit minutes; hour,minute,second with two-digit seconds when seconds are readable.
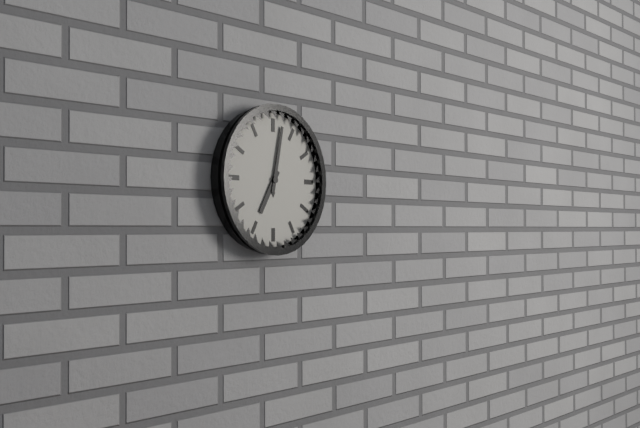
7,02
